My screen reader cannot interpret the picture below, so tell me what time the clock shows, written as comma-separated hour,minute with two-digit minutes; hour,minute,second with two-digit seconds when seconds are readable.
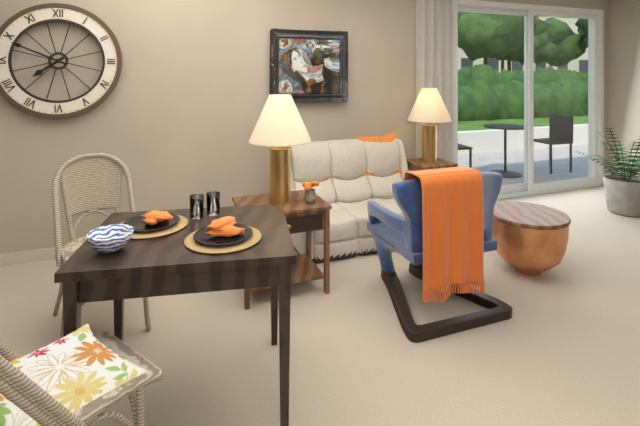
7,49
